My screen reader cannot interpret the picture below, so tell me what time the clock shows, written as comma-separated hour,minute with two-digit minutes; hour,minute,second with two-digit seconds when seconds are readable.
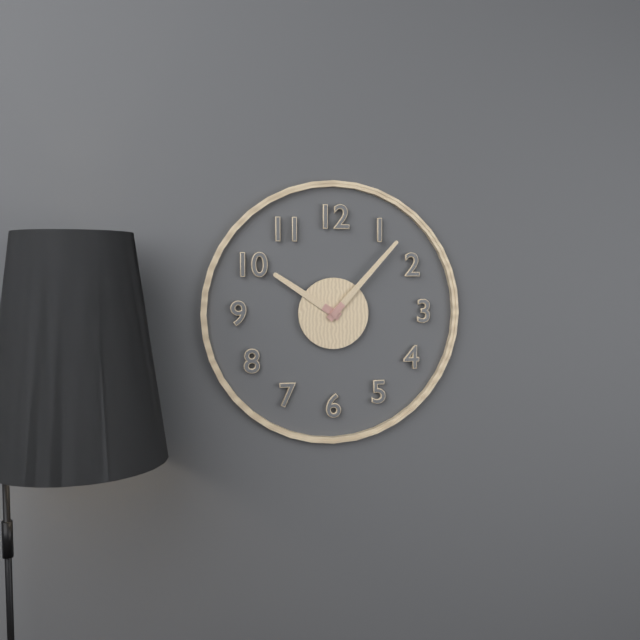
10,07
